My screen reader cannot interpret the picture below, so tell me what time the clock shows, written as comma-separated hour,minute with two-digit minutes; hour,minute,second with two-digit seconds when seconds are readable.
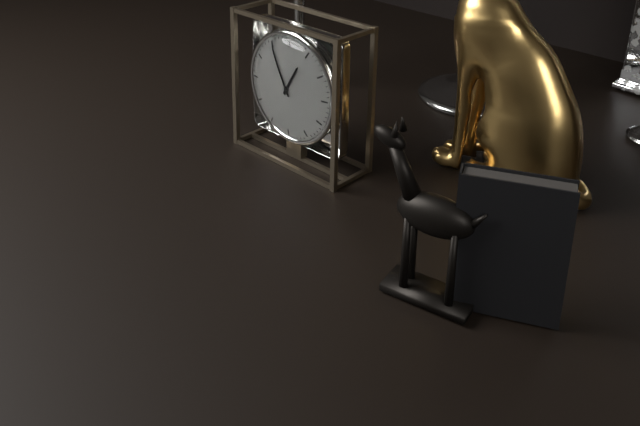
12,55
